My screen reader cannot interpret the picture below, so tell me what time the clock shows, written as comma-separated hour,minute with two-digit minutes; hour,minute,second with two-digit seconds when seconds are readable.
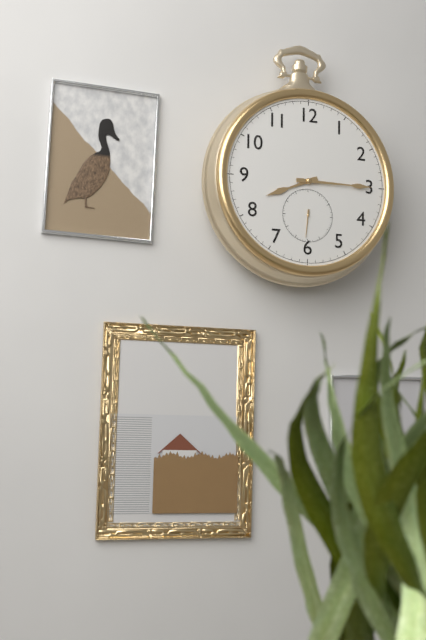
8,15
